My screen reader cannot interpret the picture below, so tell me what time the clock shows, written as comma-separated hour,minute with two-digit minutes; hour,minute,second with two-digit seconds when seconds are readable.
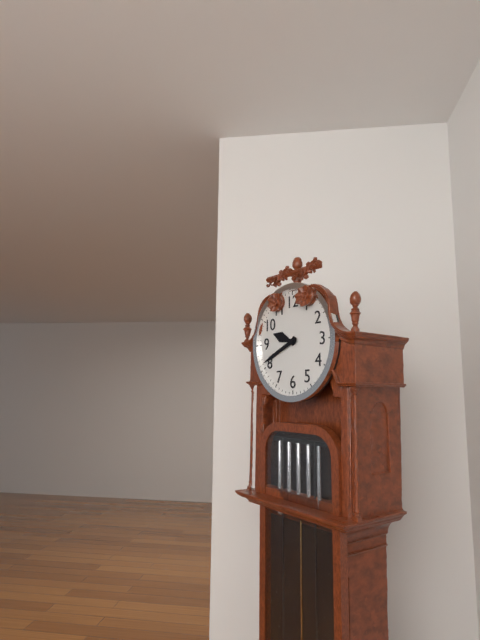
9,41
